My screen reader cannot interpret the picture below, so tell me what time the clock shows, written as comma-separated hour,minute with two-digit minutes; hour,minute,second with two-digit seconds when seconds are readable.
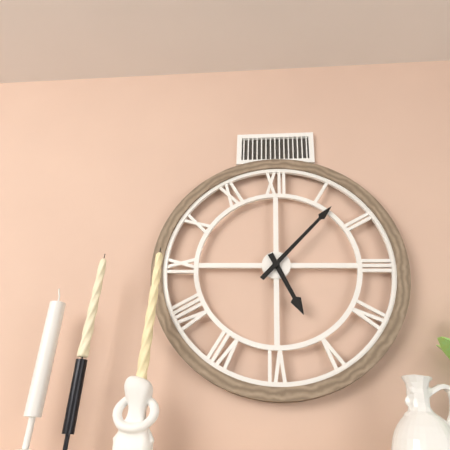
5,07
